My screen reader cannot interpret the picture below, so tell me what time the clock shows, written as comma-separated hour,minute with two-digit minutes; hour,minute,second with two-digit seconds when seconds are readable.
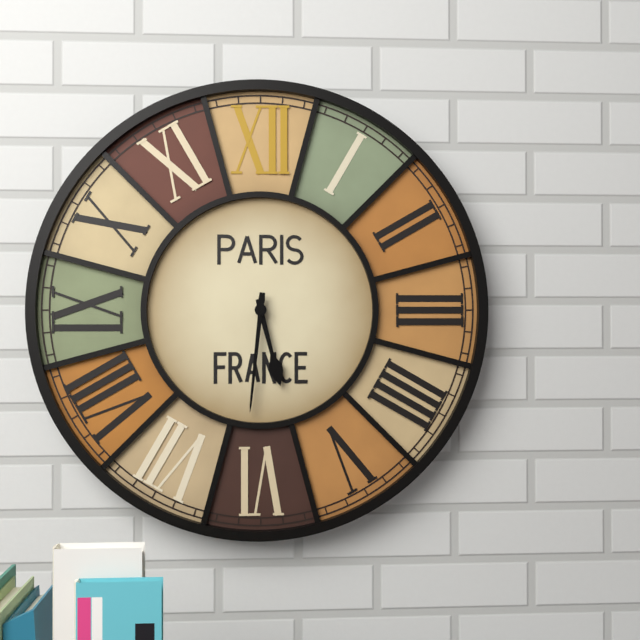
5,31
